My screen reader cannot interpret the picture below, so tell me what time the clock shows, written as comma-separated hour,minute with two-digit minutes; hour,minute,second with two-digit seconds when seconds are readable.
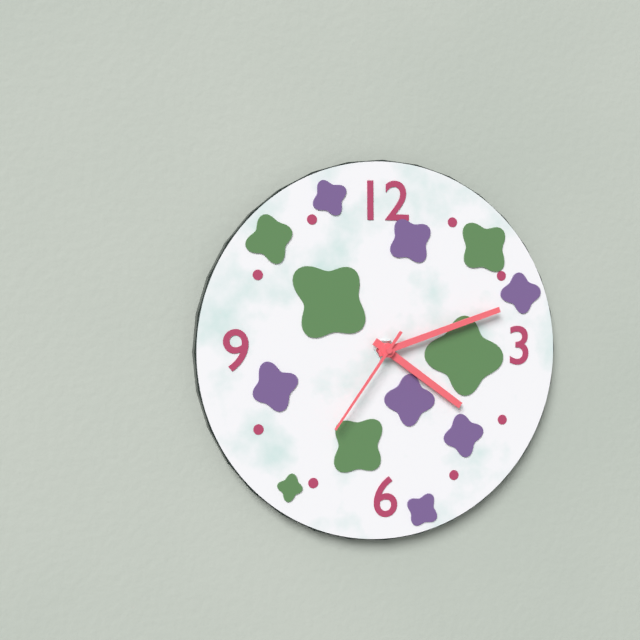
4,12,36
